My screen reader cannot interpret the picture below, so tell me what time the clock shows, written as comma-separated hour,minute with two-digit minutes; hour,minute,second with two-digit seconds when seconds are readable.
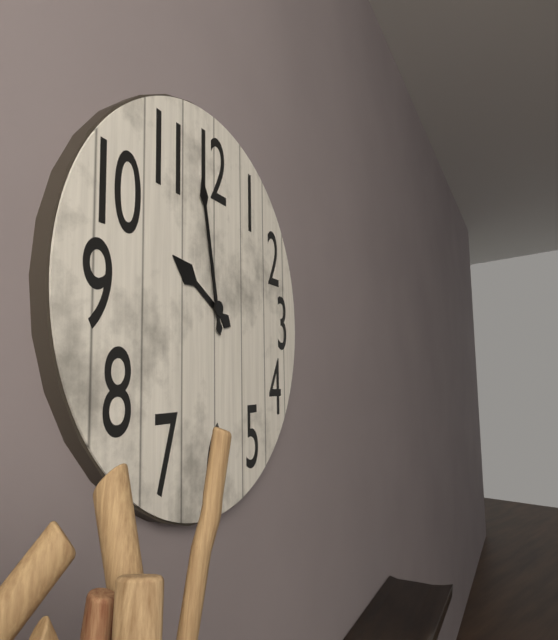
9,58
